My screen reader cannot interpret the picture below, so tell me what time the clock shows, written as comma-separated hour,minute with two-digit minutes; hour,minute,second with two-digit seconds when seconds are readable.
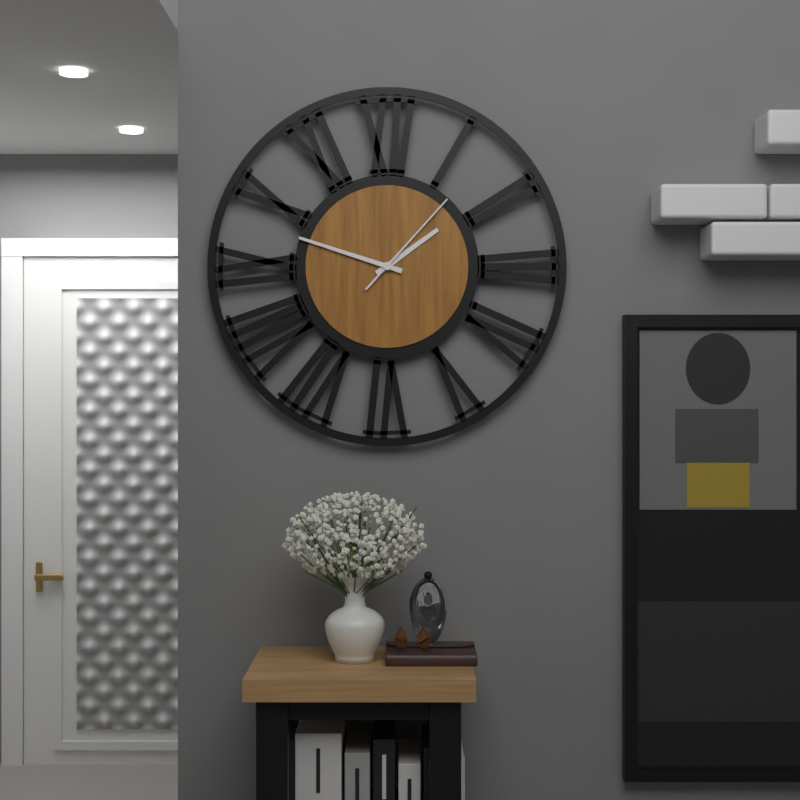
1,48,07
